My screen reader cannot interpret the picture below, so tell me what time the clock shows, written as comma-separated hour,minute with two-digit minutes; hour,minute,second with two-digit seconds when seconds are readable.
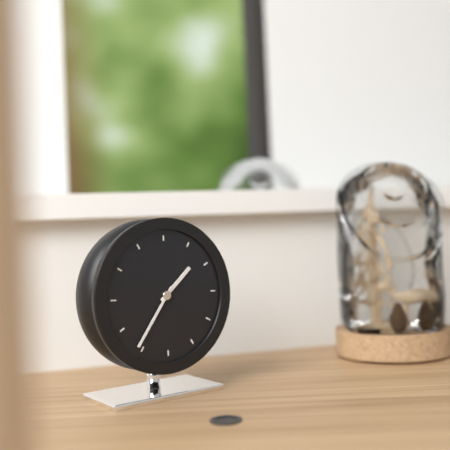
1,36
